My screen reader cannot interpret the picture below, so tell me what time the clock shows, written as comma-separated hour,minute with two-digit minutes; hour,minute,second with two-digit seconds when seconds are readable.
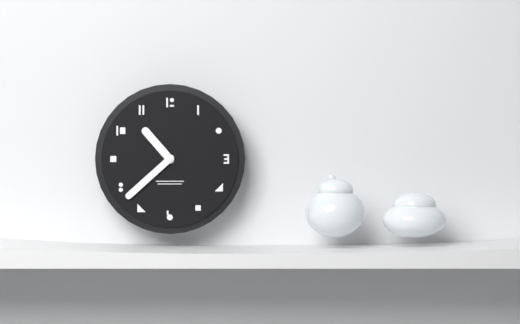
10,38
